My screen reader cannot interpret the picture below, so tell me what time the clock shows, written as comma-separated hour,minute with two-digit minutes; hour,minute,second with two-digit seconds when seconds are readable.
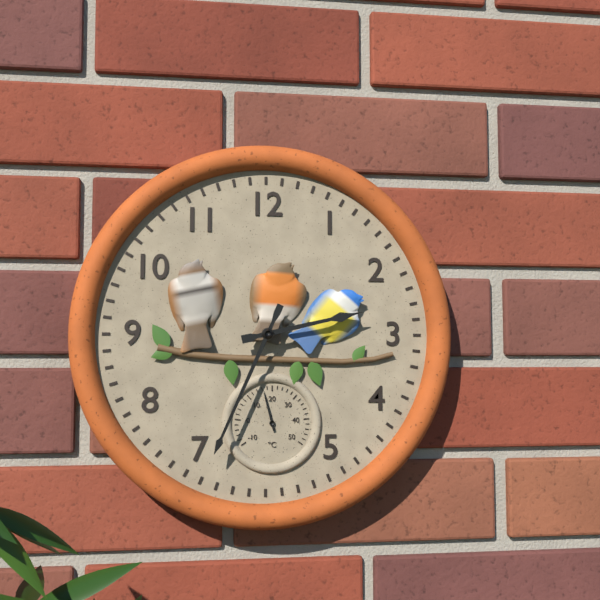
2,34
